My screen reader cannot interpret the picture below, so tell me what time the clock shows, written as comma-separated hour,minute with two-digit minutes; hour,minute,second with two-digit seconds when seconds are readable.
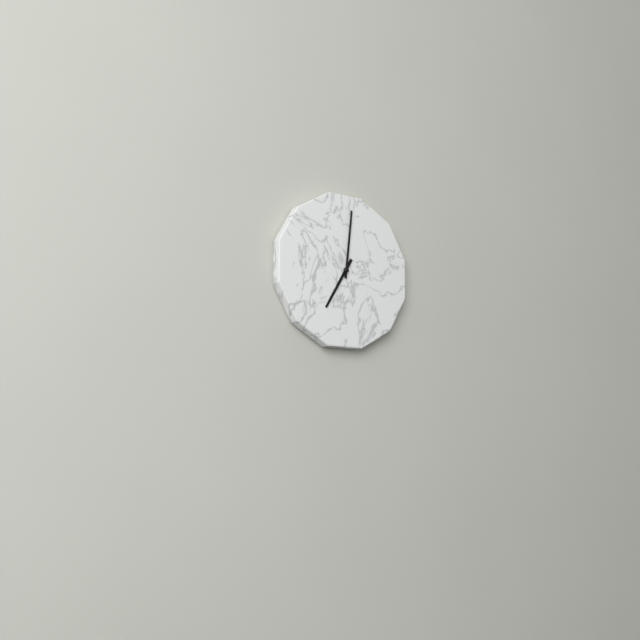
7,01
